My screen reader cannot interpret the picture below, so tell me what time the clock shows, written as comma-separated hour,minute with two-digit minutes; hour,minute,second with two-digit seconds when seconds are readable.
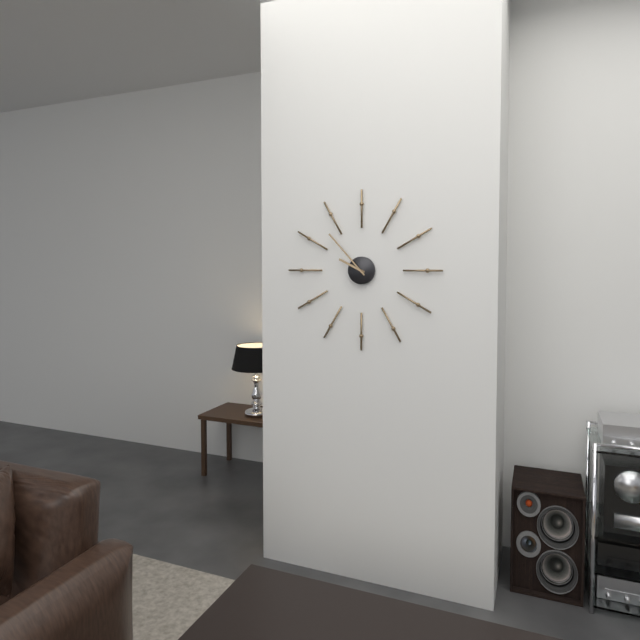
9,53
